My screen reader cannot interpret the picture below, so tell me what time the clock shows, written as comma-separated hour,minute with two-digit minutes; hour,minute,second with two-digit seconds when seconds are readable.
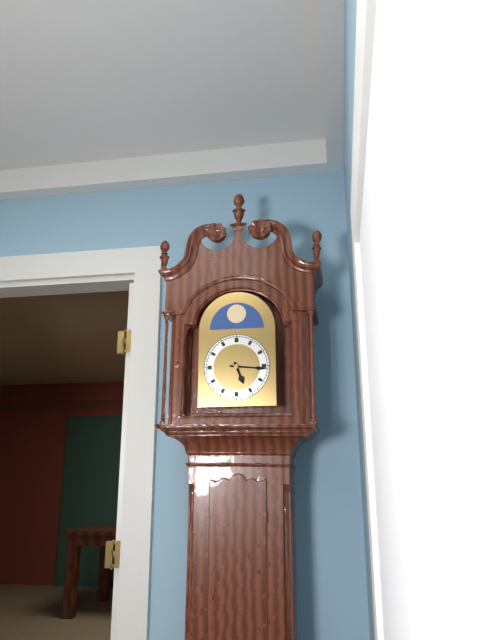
5,16
